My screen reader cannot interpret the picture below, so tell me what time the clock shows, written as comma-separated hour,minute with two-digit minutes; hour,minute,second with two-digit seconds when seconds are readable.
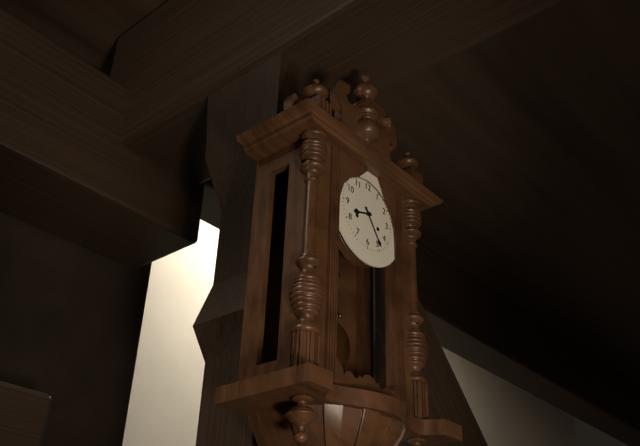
8,24
